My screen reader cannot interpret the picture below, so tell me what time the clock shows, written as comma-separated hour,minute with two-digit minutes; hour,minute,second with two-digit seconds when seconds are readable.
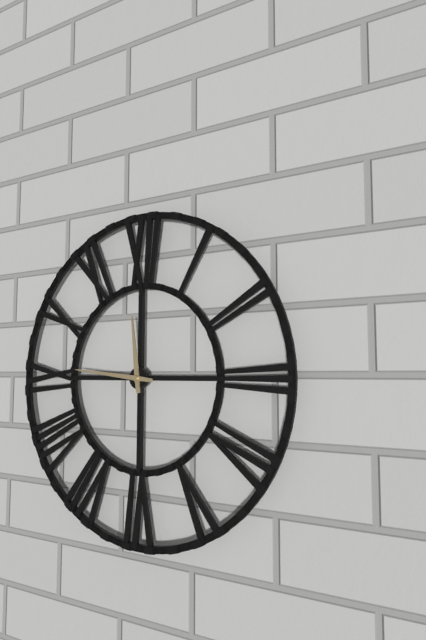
11,46
